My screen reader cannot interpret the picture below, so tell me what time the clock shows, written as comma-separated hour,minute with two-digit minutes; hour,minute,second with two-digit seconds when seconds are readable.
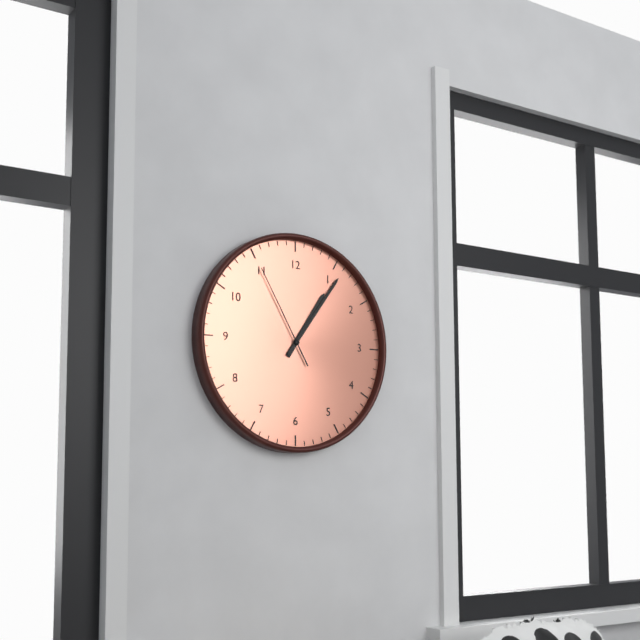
1,06,55
